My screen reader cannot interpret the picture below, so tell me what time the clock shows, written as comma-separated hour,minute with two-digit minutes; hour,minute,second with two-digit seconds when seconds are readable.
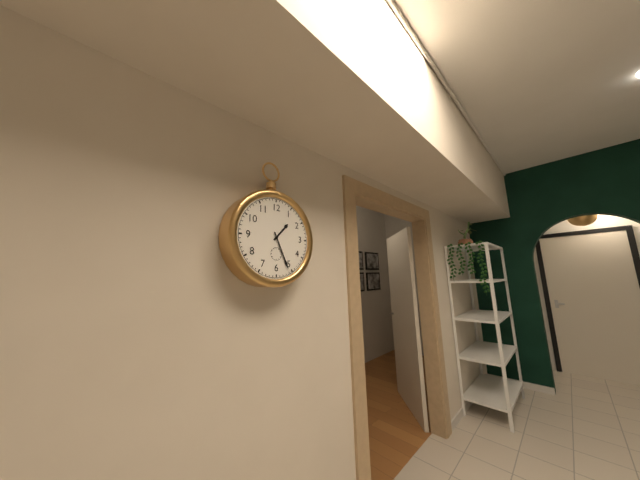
1,26
